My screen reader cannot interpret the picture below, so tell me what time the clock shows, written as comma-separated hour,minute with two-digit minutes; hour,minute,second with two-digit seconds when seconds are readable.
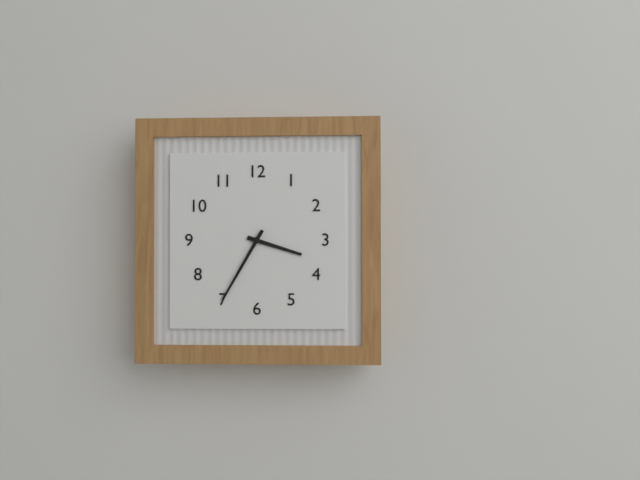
3,35
